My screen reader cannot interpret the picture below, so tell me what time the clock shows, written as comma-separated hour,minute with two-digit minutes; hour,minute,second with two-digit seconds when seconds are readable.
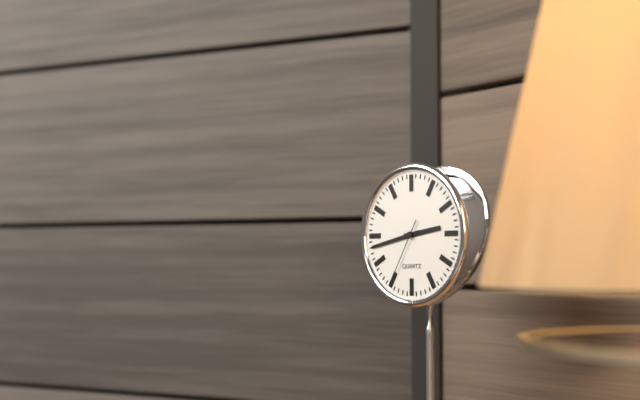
2,43,35
